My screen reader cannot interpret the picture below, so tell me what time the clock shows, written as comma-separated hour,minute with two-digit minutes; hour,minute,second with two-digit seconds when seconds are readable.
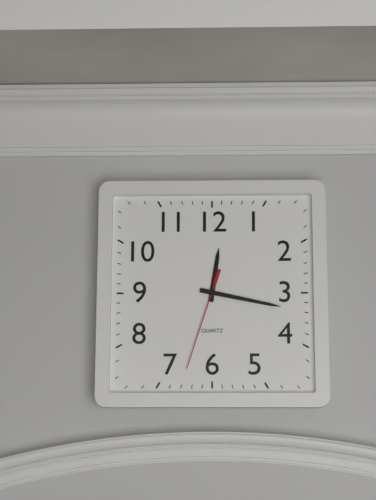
12,17,33
